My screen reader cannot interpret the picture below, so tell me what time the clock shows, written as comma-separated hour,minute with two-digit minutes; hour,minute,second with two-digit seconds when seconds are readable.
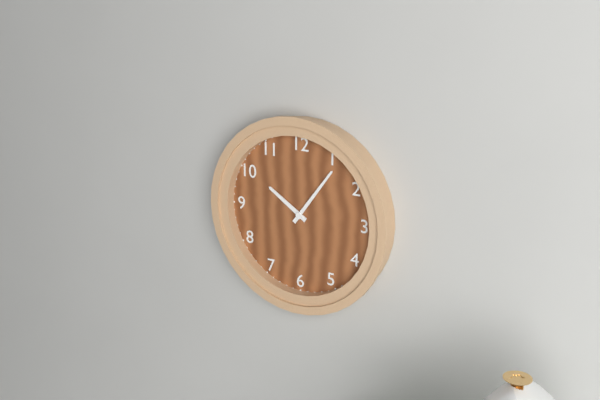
10,06
